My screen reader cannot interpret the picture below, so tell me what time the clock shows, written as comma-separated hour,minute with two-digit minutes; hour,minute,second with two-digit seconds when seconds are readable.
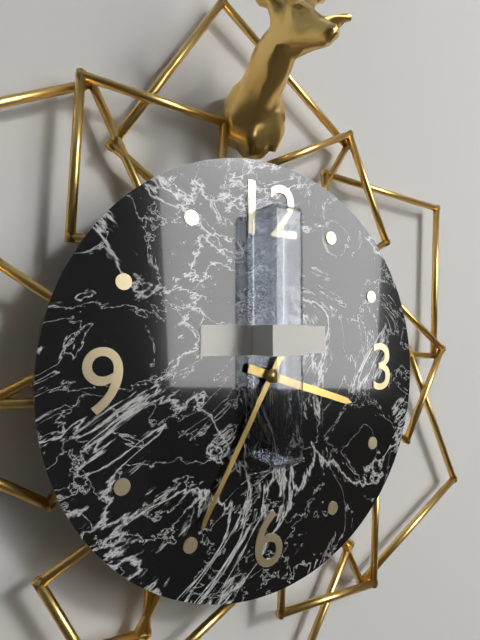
3,35
